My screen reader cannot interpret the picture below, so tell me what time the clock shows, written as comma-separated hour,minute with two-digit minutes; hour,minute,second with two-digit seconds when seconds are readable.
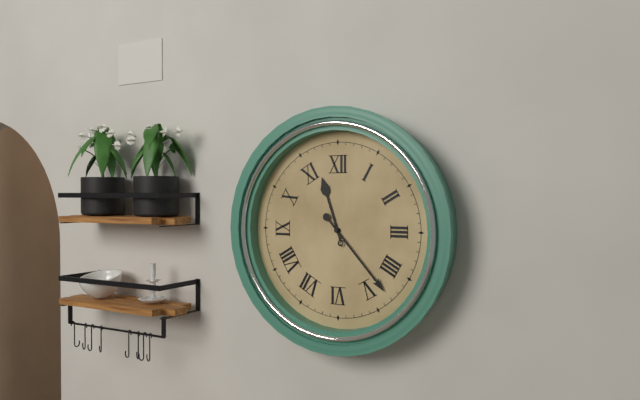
11,23
